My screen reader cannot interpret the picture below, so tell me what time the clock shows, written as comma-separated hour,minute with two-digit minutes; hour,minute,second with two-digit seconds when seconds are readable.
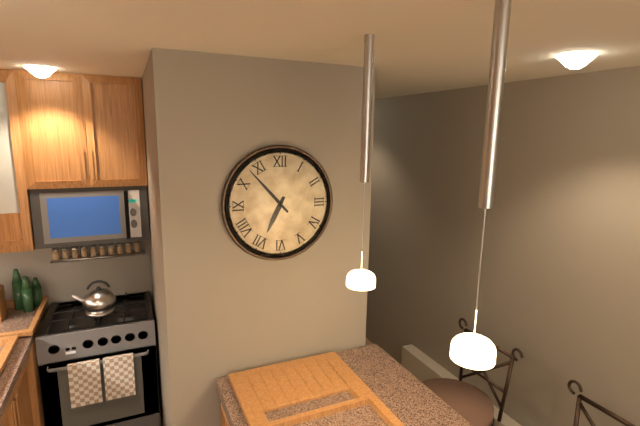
6,53
